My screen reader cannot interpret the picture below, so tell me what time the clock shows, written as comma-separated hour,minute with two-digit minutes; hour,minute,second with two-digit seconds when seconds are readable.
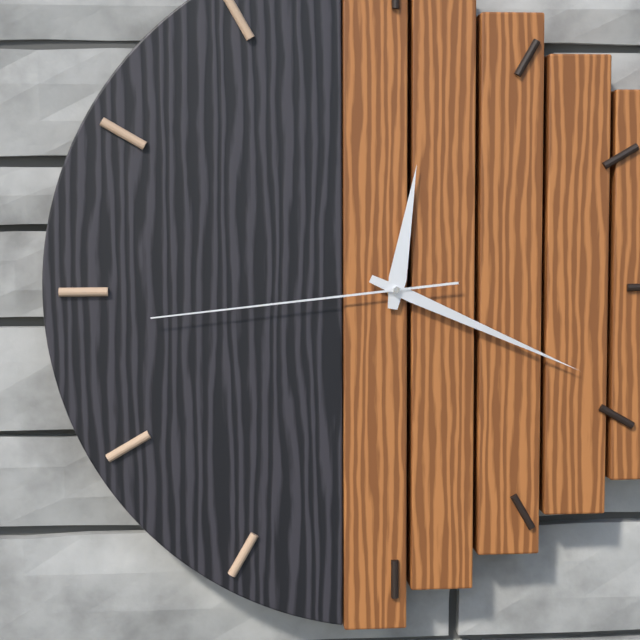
12,19,44
